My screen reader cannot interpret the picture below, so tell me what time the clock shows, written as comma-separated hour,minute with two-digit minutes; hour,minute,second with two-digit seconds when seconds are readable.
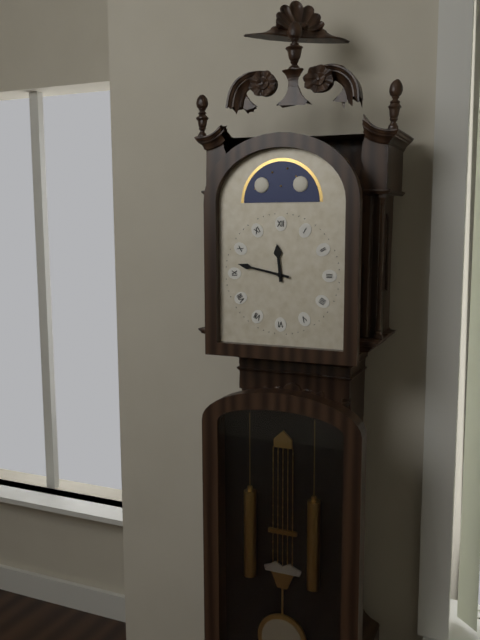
11,47
